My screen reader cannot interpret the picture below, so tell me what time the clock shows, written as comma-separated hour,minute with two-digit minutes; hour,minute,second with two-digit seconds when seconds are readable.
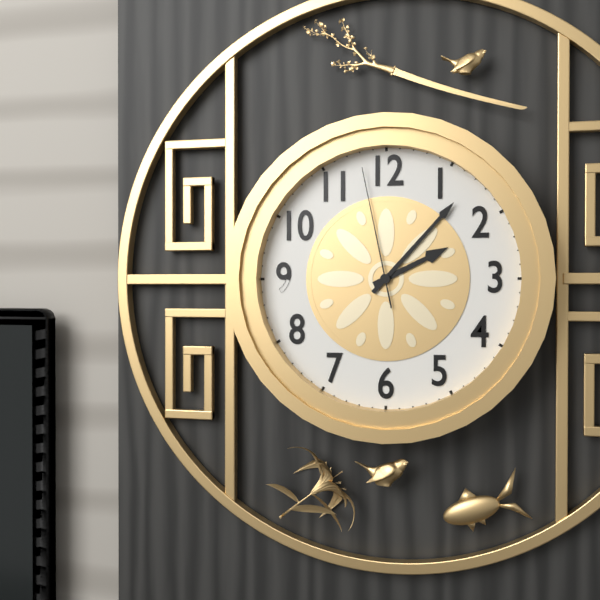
2,07,58
